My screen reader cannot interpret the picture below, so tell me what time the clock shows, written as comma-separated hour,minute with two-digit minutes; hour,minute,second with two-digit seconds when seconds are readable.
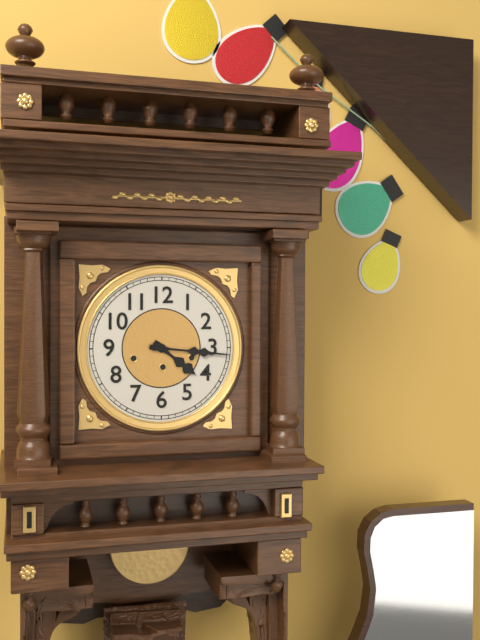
4,16
